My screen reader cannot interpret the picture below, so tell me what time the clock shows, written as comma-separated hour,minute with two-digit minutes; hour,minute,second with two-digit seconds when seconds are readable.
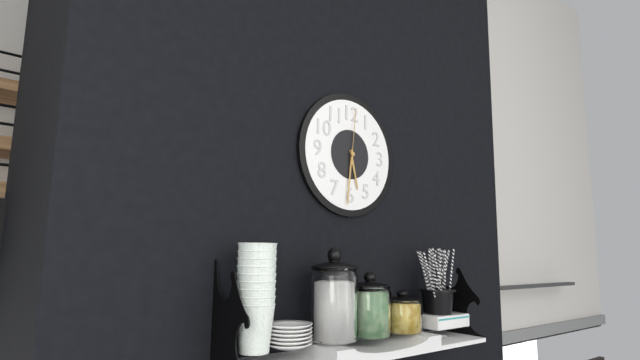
5,31,01
